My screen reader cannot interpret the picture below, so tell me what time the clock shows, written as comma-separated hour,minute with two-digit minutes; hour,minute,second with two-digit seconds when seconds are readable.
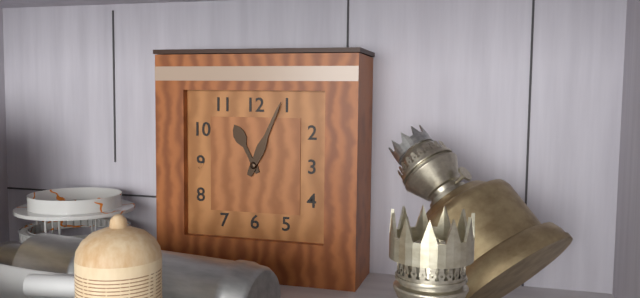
11,04
